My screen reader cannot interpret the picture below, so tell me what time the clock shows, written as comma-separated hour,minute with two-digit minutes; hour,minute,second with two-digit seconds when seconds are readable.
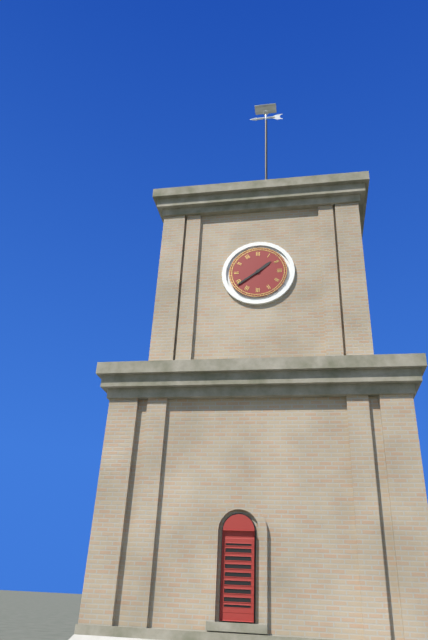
1,39
